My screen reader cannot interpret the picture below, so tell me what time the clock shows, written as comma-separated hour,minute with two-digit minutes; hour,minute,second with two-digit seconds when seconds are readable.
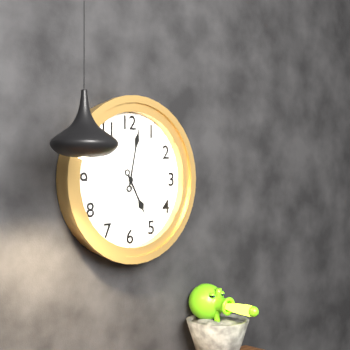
5,02
